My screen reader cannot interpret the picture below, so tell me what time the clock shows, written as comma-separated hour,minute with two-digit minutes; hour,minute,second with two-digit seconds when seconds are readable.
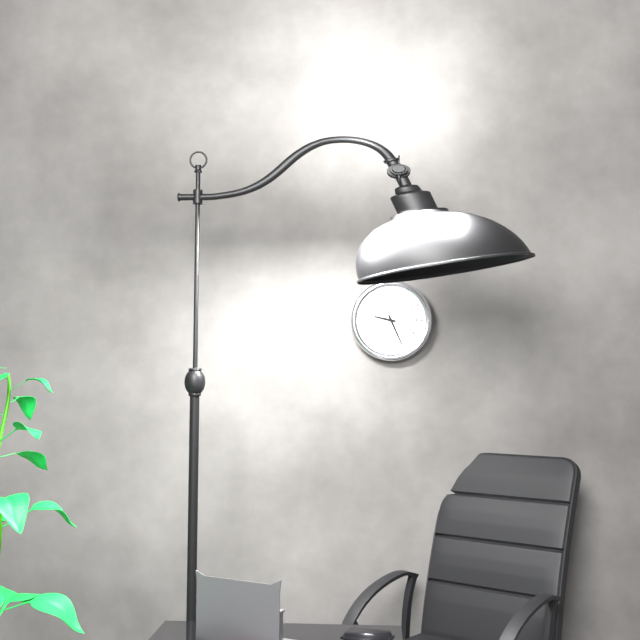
9,26
